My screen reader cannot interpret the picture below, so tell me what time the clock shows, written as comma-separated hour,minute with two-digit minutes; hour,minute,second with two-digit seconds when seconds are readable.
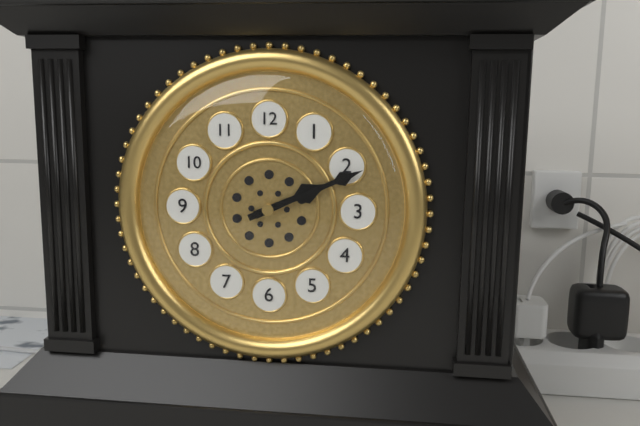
2,11
